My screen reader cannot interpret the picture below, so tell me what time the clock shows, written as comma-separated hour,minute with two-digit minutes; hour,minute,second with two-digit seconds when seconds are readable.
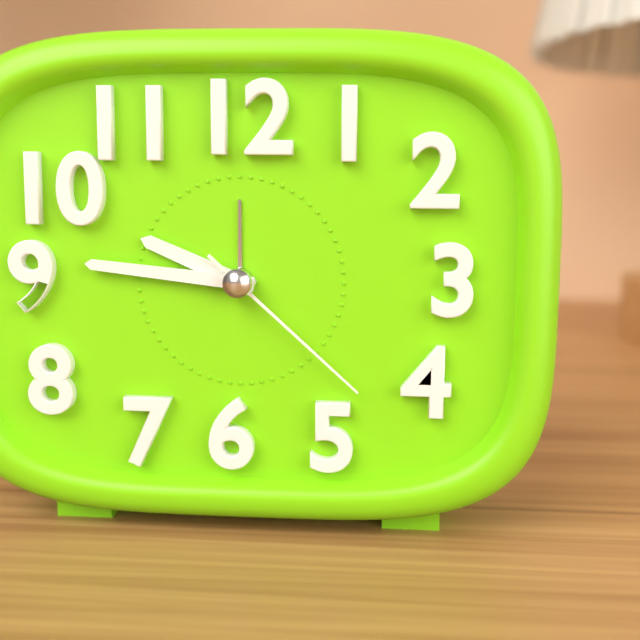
9,46,22
